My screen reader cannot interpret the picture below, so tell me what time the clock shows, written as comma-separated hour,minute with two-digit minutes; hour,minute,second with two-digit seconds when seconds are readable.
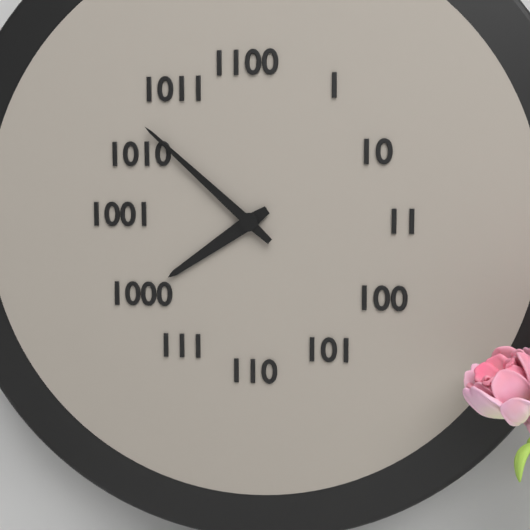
7,52
